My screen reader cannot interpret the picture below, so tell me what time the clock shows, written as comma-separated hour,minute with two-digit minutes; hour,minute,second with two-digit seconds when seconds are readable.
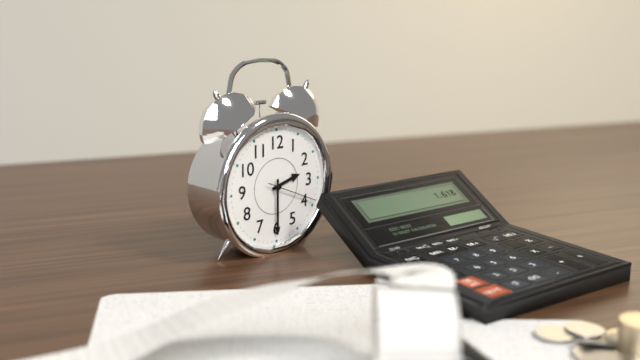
2,30,19
